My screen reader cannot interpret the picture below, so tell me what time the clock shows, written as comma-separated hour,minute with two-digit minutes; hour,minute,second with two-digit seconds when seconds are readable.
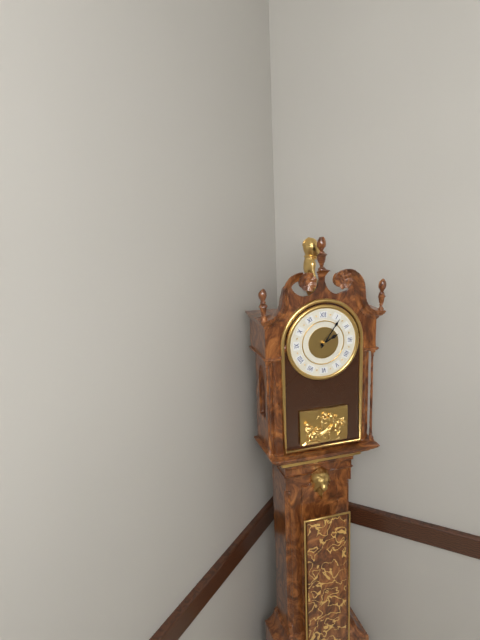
2,06
